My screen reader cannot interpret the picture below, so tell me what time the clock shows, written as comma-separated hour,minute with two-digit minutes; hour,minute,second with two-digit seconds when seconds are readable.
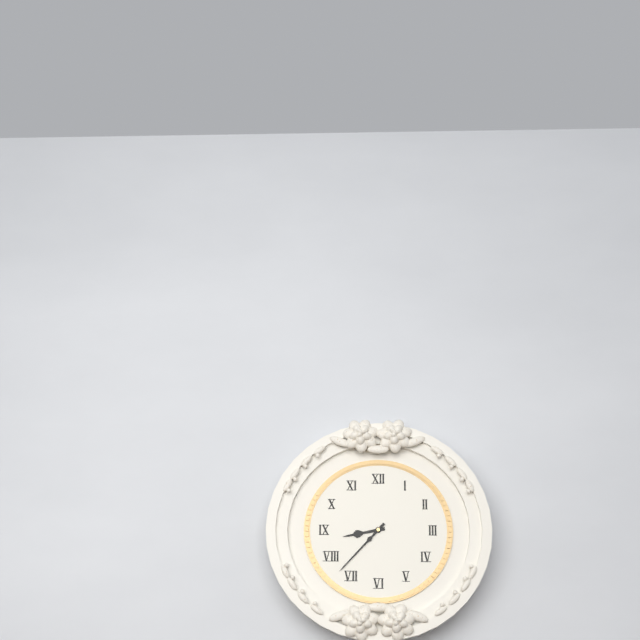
8,37
